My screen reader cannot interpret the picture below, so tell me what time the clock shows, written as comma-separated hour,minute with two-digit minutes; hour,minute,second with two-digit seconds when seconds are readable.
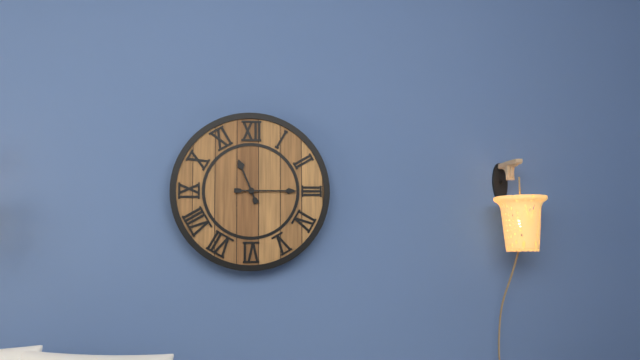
11,15
